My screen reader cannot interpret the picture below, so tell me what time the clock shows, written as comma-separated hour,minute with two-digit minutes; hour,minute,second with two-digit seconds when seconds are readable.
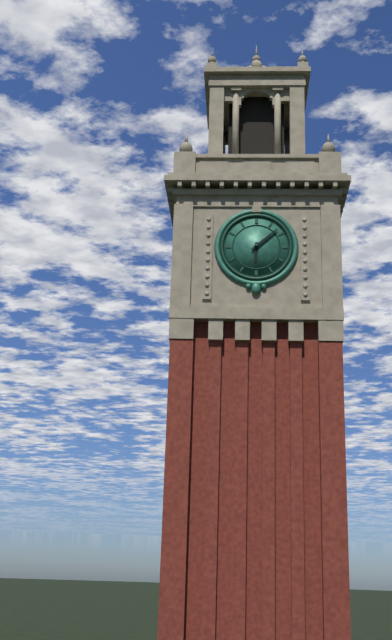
6,08
